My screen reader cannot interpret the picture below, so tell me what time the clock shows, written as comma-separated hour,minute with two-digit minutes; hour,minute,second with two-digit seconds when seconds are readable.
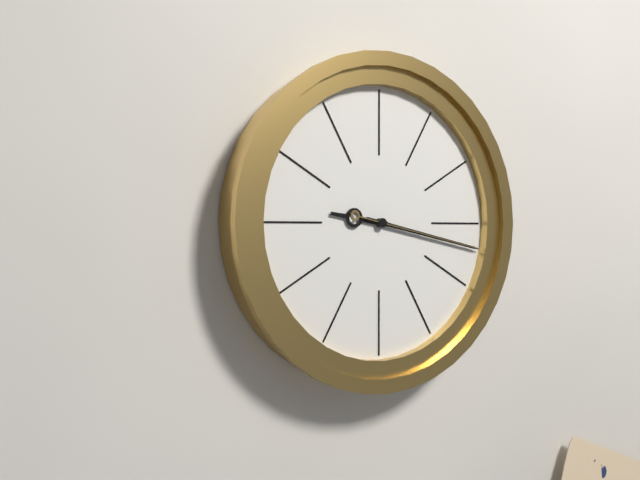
9,17,17
